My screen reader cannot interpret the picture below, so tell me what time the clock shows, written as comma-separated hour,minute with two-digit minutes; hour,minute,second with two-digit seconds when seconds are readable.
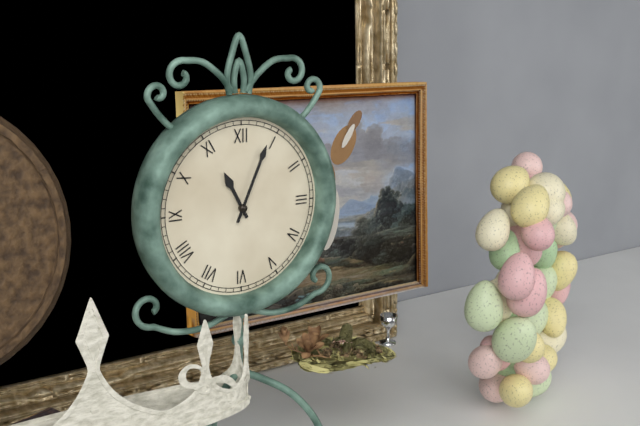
11,04
